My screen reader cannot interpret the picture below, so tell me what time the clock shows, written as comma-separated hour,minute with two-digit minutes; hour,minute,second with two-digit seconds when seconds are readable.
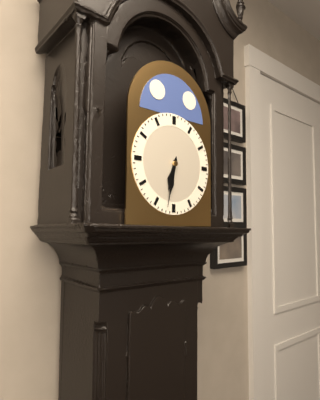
6,32
